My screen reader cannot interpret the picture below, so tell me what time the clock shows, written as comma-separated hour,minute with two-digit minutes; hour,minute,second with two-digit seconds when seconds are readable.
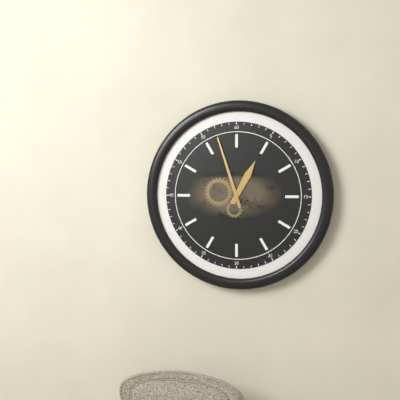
12,57
